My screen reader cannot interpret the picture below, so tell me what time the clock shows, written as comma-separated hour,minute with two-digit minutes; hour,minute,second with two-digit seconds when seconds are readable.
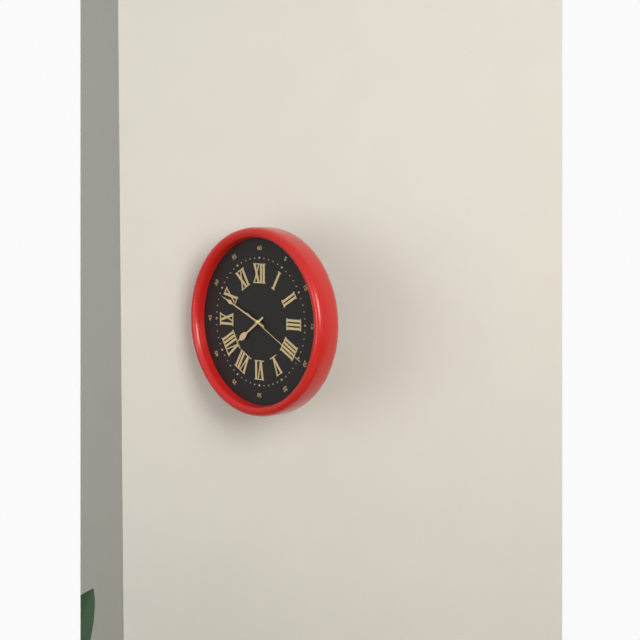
7,49,20
